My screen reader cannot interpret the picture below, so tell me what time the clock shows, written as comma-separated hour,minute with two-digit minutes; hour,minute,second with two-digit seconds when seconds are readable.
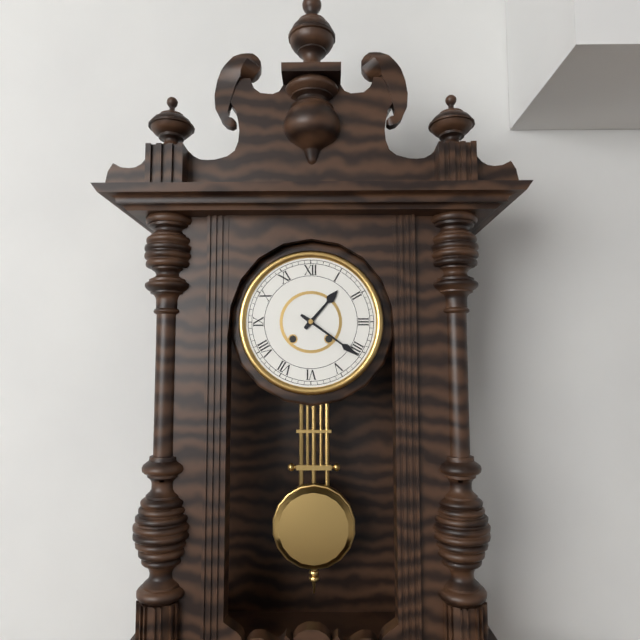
1,21
